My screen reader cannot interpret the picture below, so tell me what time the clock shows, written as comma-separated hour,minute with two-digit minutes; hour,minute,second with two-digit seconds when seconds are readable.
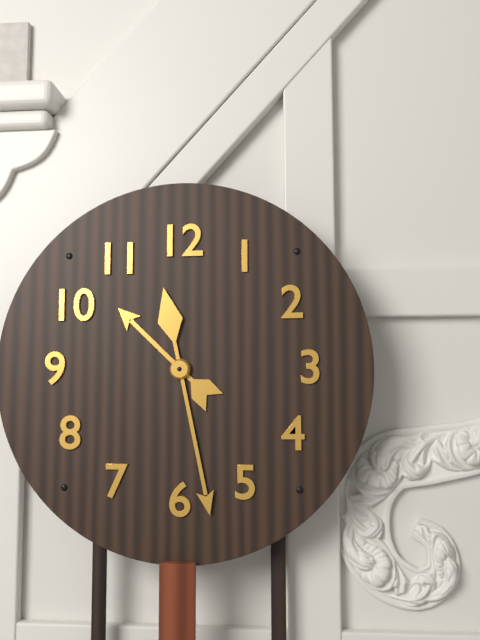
10,28
